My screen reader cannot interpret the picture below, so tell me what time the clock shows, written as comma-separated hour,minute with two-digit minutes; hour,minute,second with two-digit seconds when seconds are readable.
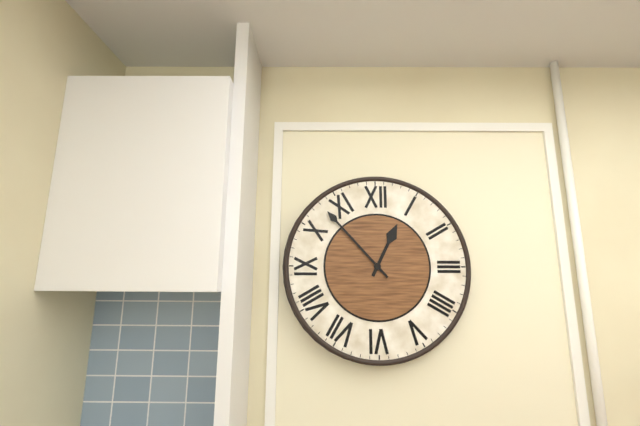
12,53
